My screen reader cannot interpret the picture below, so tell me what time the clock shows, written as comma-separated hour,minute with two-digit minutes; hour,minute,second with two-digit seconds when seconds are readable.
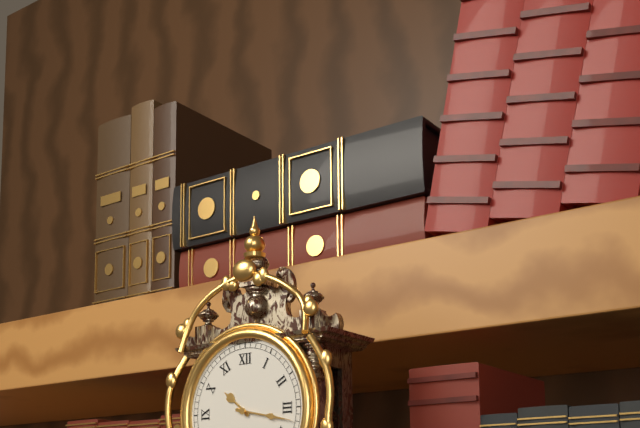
10,17
